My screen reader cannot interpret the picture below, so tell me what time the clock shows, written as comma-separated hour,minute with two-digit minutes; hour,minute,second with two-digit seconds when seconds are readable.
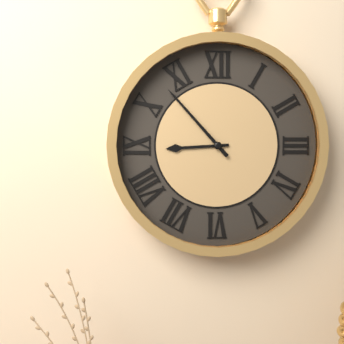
8,53
